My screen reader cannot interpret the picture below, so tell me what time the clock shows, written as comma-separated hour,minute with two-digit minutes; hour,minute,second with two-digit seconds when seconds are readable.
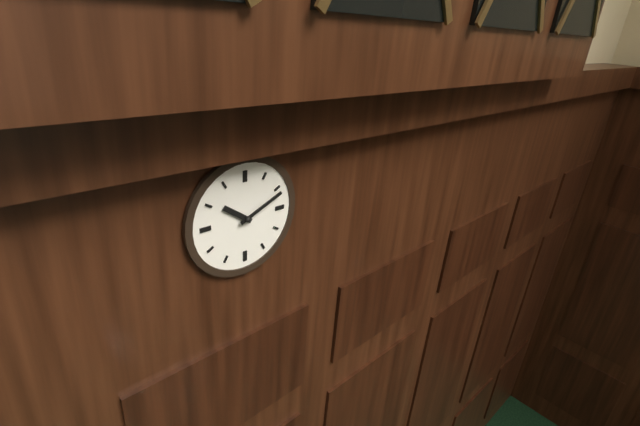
10,11
